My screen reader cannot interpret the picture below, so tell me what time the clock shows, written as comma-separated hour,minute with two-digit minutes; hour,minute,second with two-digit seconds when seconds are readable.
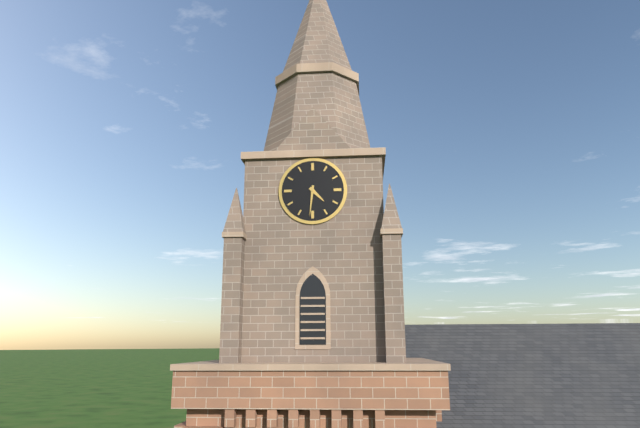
4,31
